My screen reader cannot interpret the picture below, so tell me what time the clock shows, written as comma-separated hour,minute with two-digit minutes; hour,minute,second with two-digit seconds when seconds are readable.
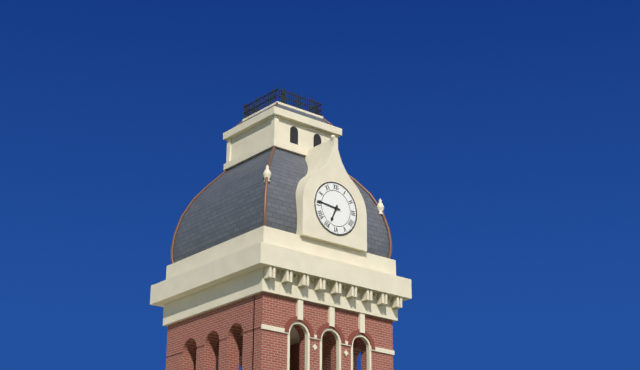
6,46
